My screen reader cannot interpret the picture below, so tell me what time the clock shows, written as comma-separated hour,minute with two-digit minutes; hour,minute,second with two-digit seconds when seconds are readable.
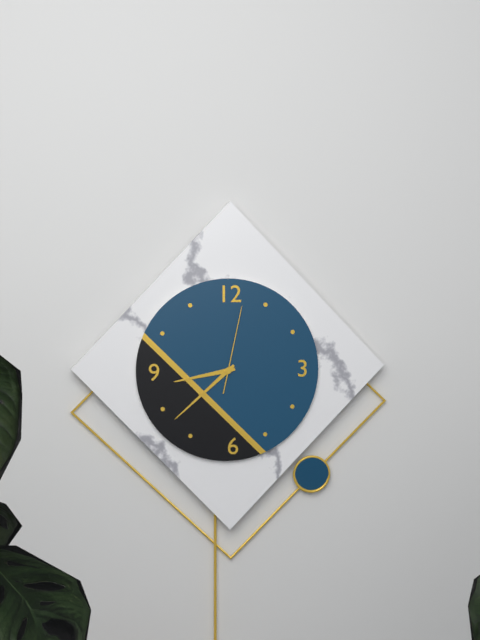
8,38,02
